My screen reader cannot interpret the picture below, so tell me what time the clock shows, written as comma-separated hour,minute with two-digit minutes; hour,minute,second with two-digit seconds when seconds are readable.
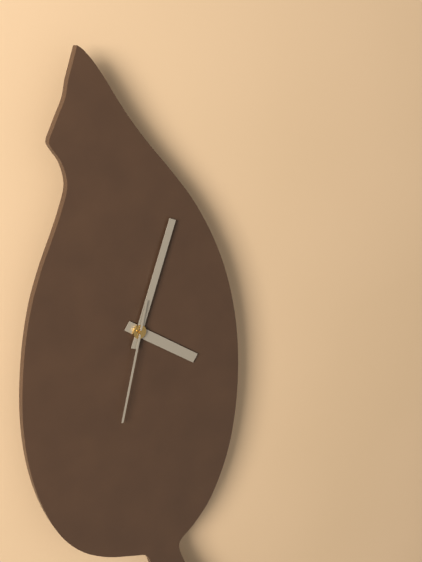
4,03,32
